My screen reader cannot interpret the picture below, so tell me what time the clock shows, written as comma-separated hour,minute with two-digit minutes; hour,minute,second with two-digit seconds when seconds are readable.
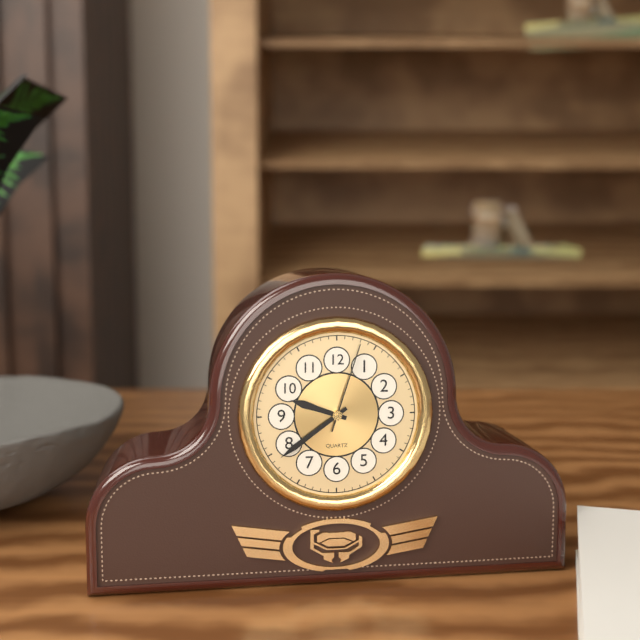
9,39,03
